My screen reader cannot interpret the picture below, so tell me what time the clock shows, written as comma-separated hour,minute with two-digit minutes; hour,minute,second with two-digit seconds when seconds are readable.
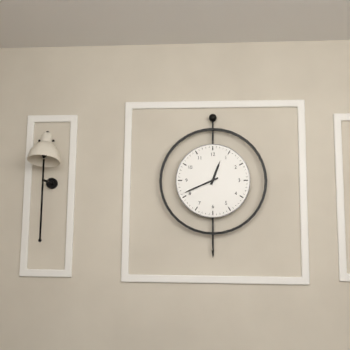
12,41
